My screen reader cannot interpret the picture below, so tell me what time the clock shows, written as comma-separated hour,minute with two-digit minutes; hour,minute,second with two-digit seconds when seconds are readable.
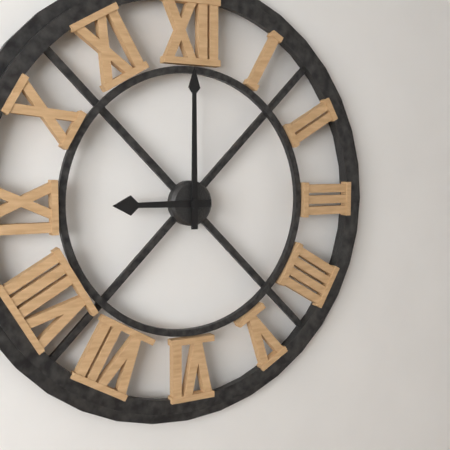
9,00
